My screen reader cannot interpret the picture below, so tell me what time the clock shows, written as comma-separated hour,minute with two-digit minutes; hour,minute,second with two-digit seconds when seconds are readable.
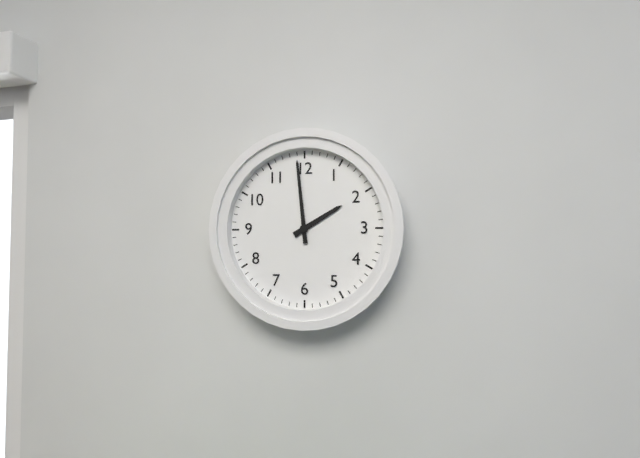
1,59
